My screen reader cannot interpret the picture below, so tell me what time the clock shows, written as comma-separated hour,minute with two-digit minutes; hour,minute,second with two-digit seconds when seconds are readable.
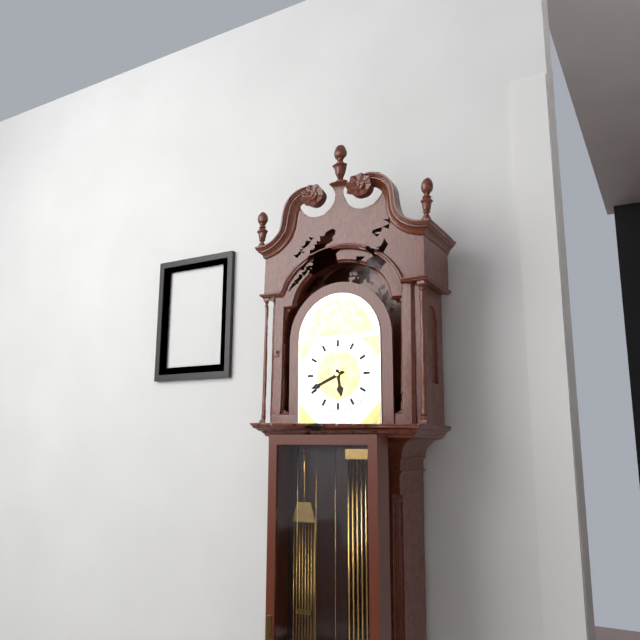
5,41
